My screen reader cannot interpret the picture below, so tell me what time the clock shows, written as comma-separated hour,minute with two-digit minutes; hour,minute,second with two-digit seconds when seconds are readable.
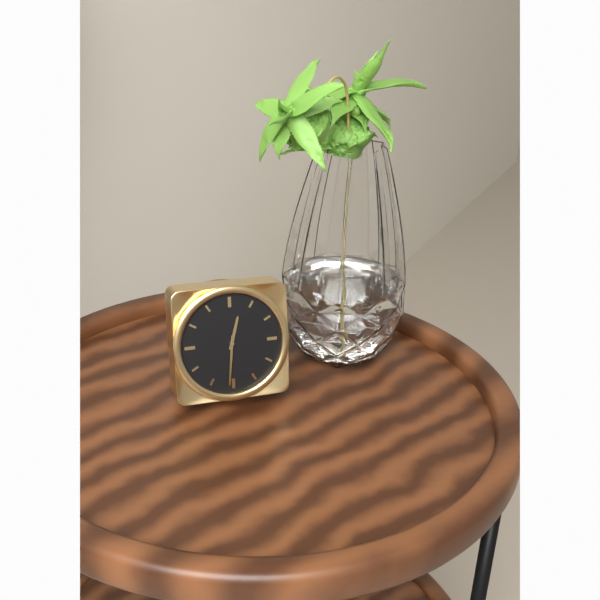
12,31
